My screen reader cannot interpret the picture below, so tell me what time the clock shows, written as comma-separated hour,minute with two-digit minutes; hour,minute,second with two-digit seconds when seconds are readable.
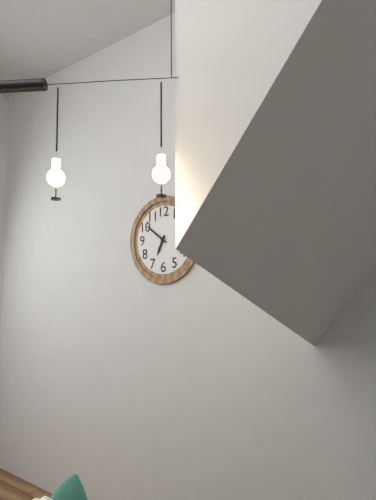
6,51
